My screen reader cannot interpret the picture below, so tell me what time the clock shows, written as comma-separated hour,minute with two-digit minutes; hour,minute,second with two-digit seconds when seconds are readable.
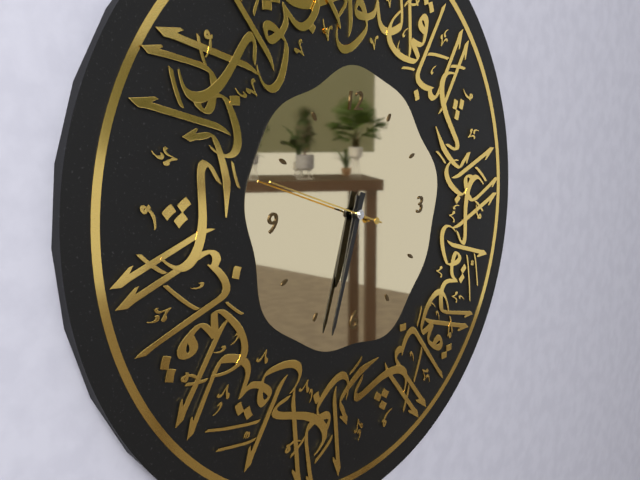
6,33,48
